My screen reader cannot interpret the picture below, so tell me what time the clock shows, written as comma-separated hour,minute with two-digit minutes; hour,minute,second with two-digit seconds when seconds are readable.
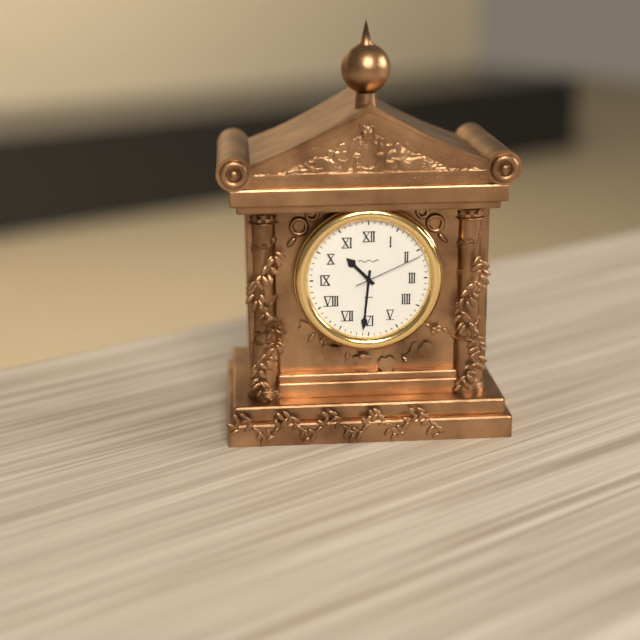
10,31,11
